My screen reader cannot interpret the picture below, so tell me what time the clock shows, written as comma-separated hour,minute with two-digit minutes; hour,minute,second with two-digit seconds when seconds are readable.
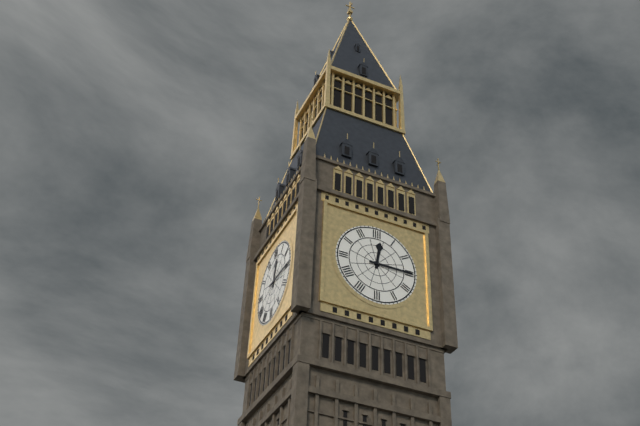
12,15
